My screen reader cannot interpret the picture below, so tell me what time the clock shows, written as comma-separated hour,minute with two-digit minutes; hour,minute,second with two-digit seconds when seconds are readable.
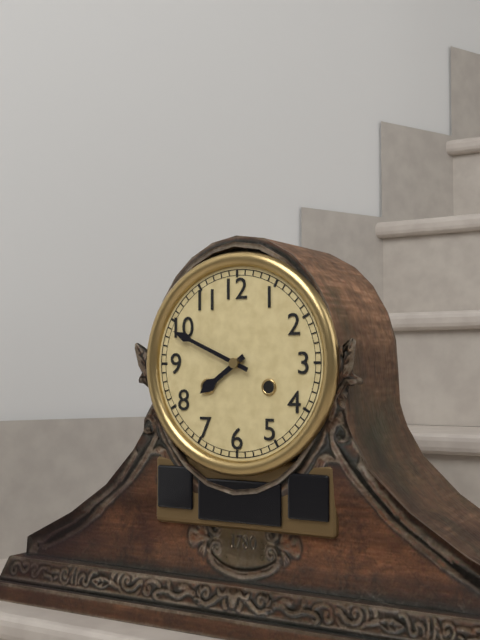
7,49
